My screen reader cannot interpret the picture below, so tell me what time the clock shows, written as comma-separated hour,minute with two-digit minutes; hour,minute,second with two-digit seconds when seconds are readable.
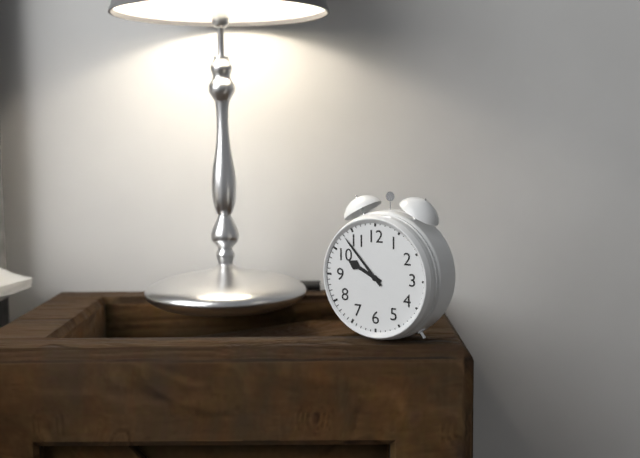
9,53
